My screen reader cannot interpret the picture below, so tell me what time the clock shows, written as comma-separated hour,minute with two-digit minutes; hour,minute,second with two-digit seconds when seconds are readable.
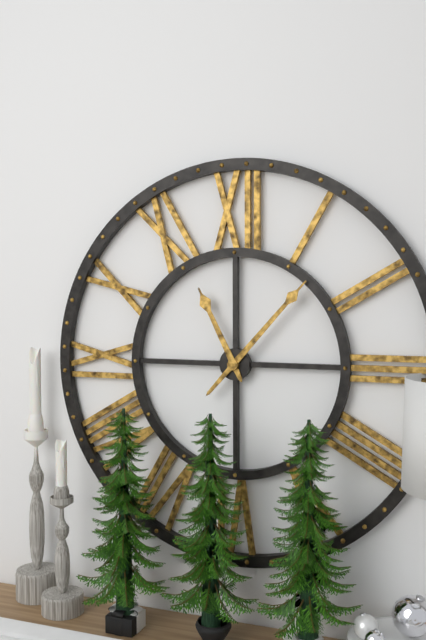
11,07
